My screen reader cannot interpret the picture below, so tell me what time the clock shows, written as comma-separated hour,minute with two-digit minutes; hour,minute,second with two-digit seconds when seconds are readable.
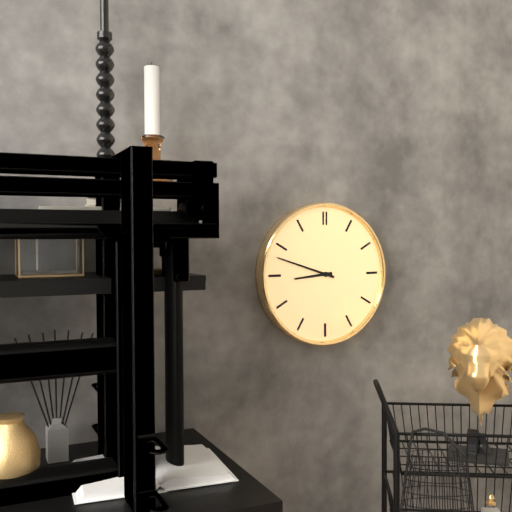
8,48
